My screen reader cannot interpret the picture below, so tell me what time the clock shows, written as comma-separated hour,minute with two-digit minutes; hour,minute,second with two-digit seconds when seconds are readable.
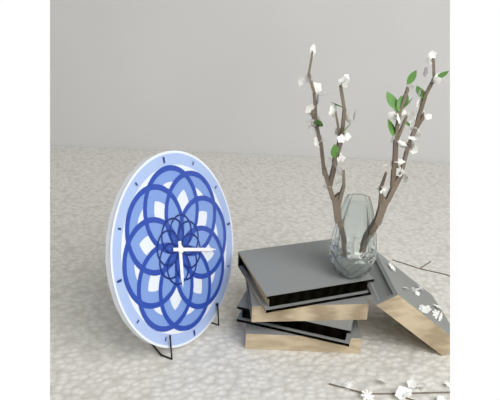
6,18
